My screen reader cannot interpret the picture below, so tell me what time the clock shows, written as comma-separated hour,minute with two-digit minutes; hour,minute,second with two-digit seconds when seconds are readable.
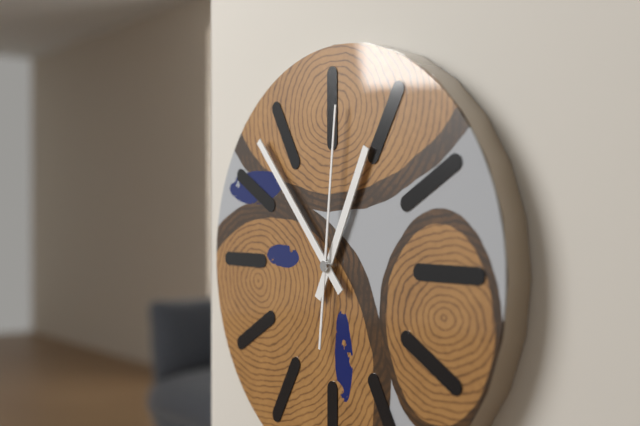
12,53,01
